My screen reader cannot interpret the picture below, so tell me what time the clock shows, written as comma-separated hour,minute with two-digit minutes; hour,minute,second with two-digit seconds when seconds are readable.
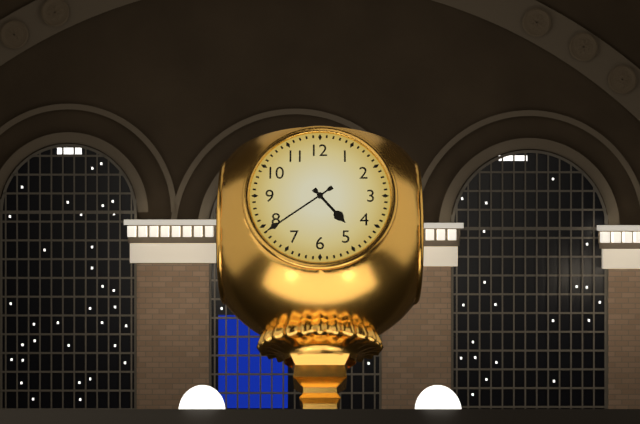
4,39
